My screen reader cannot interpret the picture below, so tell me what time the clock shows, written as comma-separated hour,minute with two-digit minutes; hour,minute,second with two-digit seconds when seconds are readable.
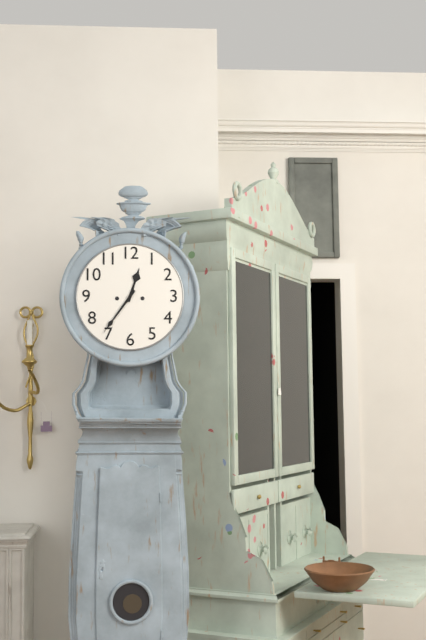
12,36
